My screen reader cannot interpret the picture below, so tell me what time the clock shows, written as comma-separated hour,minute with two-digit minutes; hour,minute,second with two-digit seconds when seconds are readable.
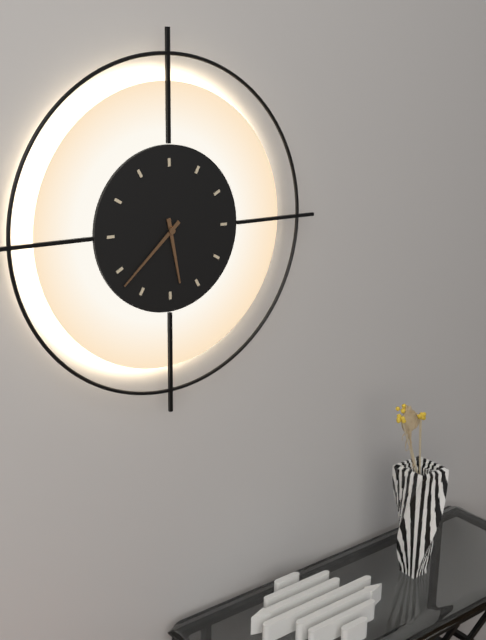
5,38
